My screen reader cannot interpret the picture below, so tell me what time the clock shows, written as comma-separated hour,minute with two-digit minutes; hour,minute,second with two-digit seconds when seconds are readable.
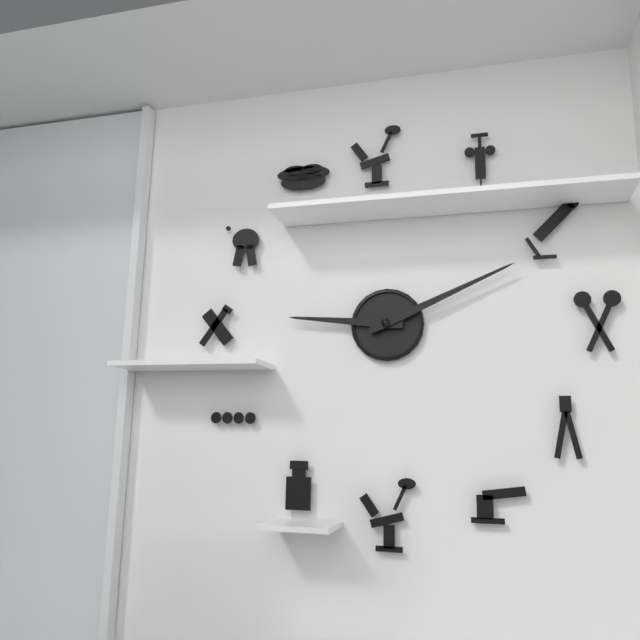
9,11
